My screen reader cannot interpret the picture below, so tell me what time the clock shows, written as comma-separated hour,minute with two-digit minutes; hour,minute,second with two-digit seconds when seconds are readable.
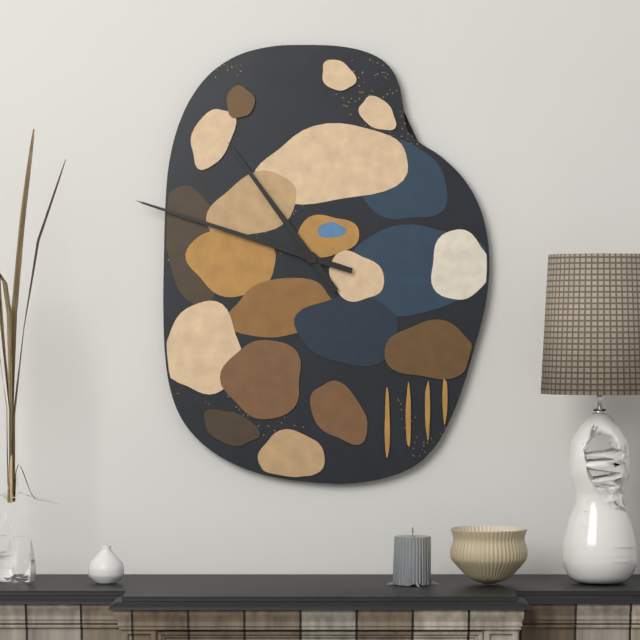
10,48
